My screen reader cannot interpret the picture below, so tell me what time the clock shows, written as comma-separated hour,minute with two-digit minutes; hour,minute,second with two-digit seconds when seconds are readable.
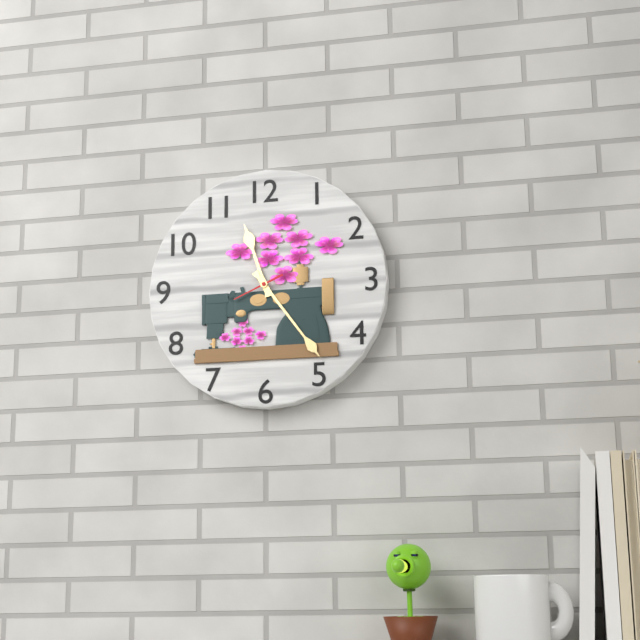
11,24
